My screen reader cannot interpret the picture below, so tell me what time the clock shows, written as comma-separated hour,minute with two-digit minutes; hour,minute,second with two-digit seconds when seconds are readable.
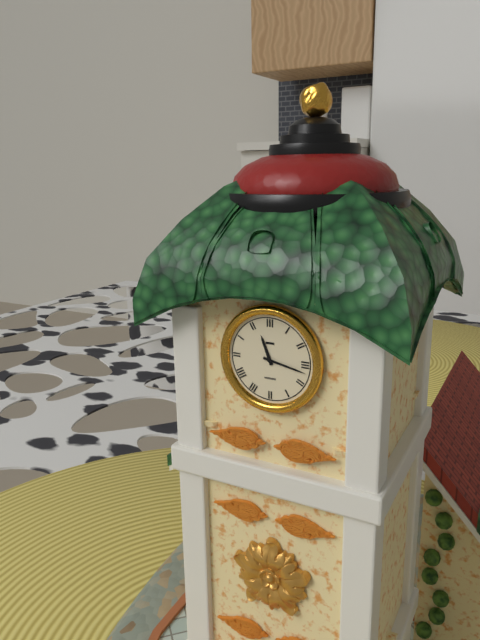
11,17
